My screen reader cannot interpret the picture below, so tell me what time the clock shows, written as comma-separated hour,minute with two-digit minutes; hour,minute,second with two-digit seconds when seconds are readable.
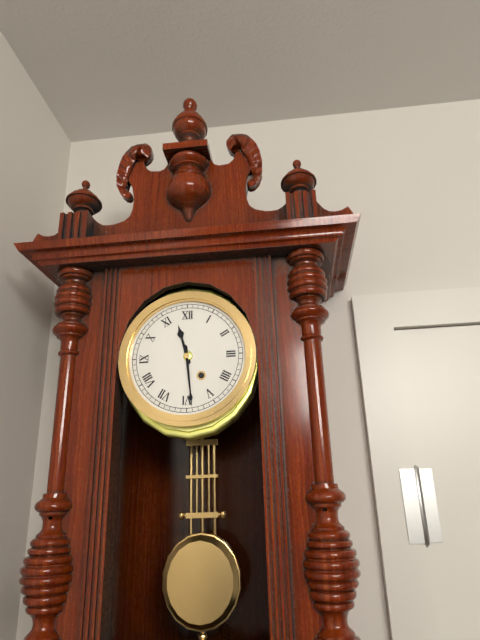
11,29
